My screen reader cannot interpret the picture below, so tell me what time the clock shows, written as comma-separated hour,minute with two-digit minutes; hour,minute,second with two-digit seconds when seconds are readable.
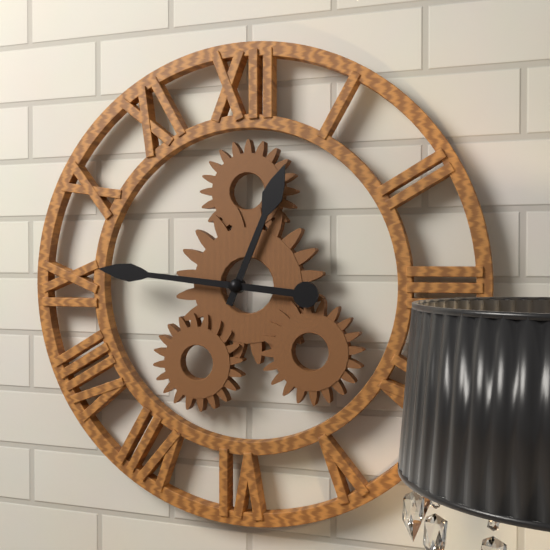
12,46
